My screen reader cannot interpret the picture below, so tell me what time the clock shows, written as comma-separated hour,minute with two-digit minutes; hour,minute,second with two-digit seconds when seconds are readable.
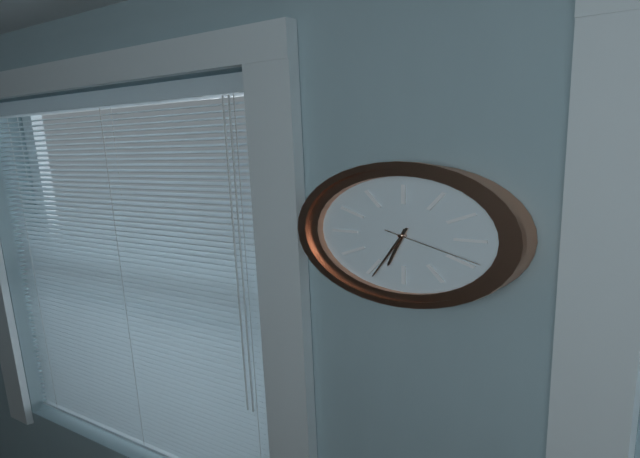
6,34,19
